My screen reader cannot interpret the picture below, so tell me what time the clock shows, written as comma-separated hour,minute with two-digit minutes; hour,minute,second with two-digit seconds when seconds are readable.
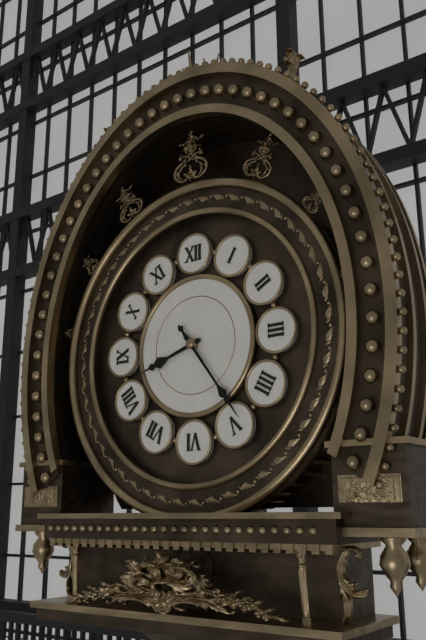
8,24
